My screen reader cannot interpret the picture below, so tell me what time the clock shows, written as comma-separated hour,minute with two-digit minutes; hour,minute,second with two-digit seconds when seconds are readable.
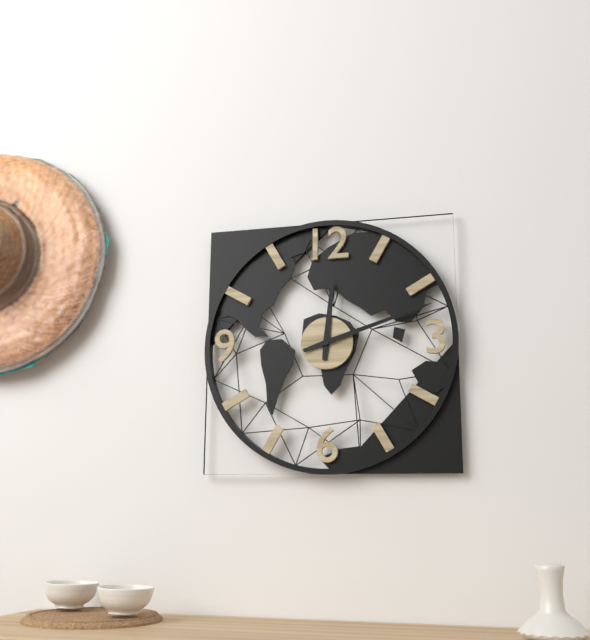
12,12
